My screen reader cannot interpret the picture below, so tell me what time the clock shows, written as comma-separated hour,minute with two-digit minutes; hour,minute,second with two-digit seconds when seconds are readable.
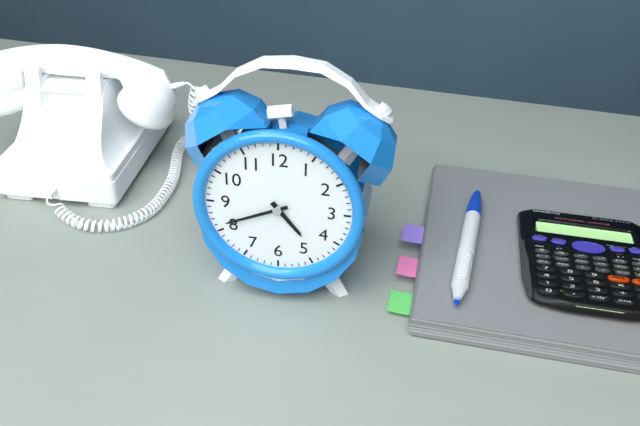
4,41
